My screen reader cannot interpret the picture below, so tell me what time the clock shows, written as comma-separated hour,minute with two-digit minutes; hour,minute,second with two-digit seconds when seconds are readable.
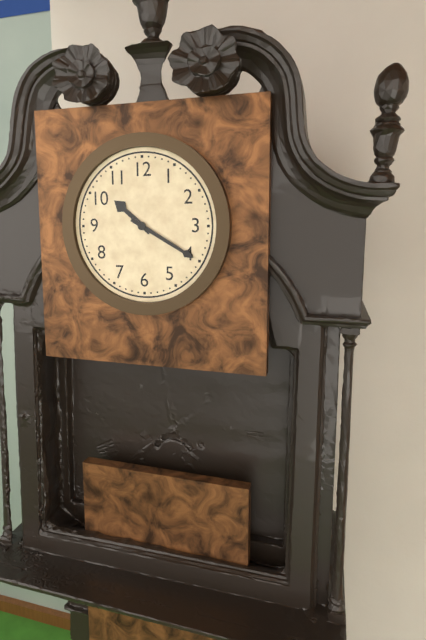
10,20
